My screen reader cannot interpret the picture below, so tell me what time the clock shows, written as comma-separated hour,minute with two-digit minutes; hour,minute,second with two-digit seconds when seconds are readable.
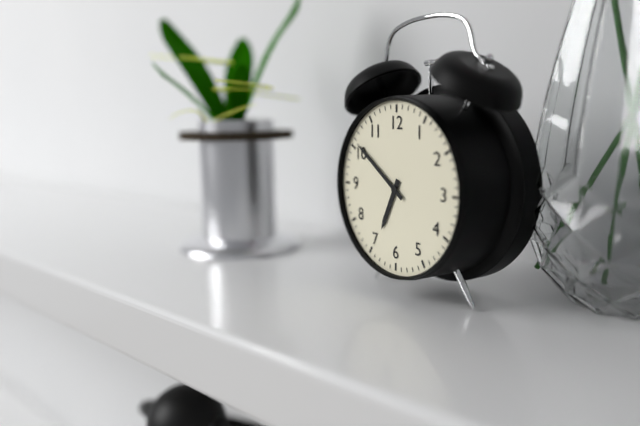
6,51
